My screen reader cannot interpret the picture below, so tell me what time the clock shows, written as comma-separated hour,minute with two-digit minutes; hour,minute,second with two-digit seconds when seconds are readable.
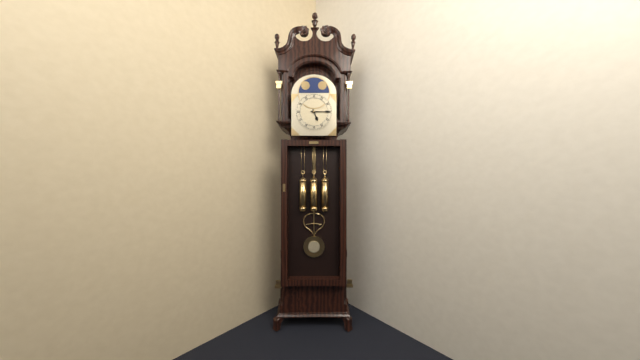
5,15
